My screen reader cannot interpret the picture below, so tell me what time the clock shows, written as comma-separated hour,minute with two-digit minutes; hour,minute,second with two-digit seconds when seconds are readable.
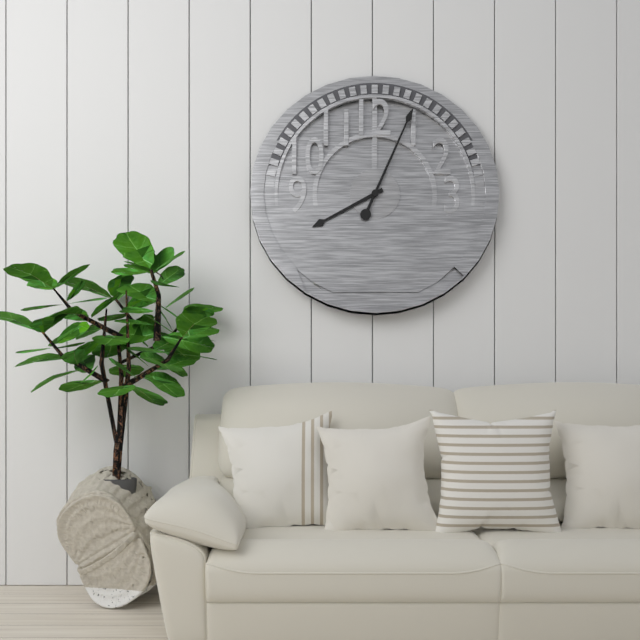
8,04
